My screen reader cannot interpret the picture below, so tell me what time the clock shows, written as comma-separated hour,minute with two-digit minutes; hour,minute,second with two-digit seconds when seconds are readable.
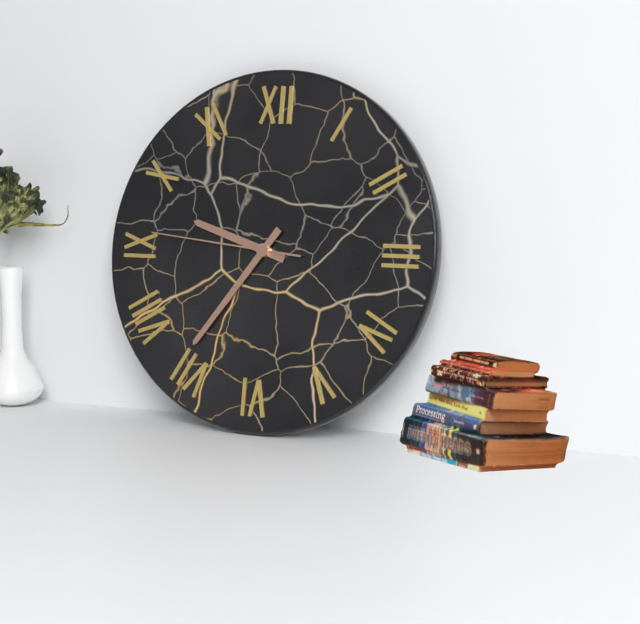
9,36,46
